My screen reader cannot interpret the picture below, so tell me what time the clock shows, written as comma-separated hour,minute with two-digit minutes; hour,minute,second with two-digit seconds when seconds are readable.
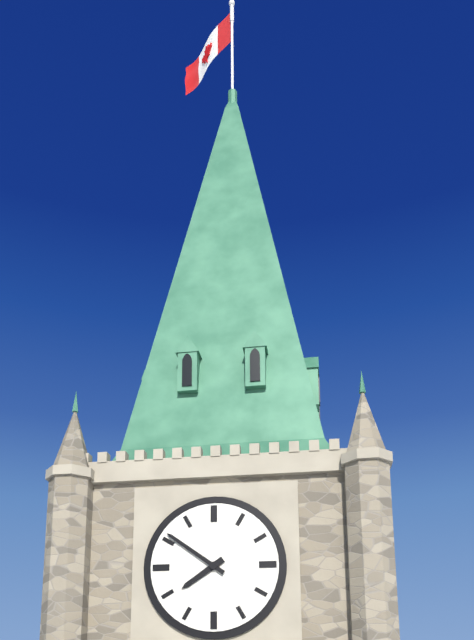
7,51
